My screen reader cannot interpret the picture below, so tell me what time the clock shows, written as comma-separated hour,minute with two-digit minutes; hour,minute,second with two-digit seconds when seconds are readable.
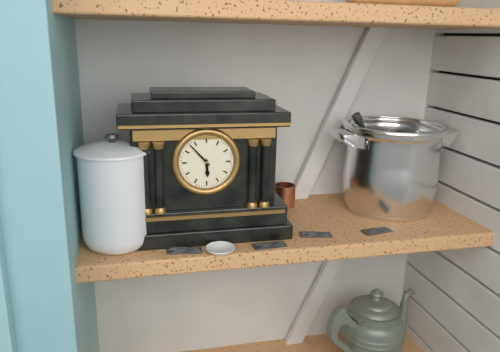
5,53
